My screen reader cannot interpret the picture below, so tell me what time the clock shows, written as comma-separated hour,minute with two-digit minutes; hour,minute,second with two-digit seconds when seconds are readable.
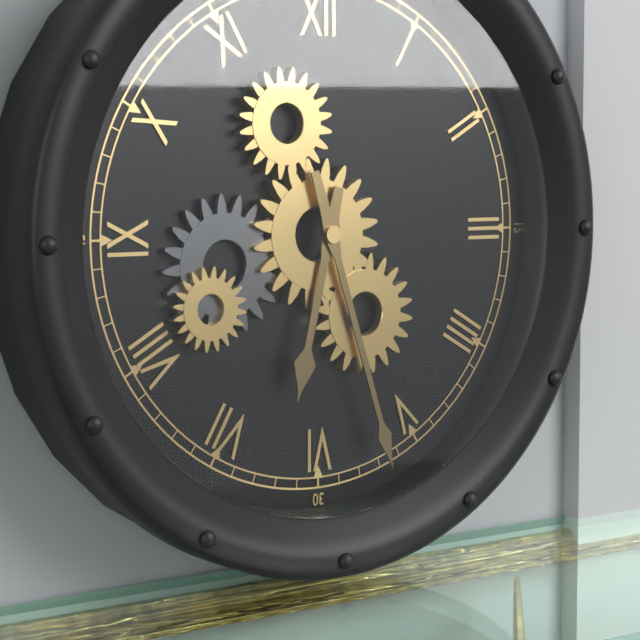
6,27
